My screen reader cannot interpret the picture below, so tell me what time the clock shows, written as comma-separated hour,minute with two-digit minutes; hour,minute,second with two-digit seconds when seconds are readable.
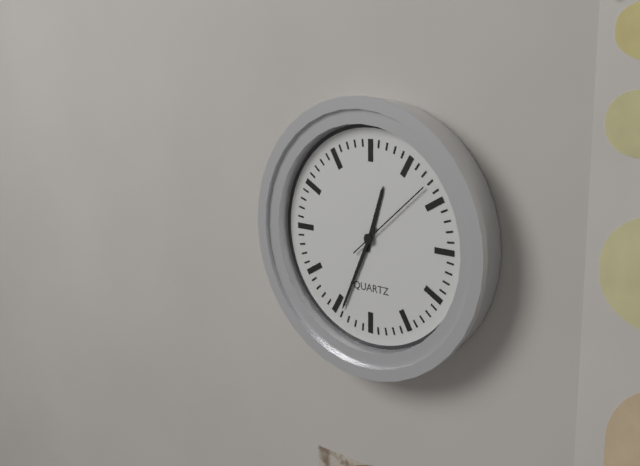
12,34,08
